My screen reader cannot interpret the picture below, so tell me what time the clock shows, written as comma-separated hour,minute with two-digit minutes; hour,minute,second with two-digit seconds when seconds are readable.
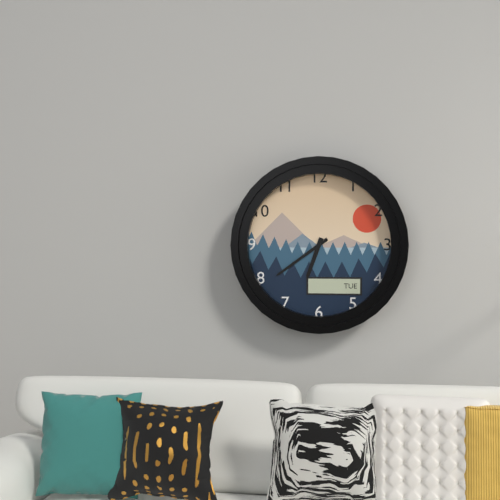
6,39
